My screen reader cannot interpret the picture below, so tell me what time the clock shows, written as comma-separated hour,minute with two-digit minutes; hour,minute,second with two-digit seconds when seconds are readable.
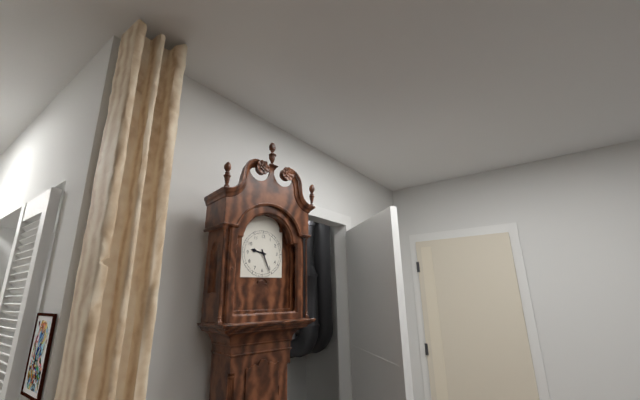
9,26
